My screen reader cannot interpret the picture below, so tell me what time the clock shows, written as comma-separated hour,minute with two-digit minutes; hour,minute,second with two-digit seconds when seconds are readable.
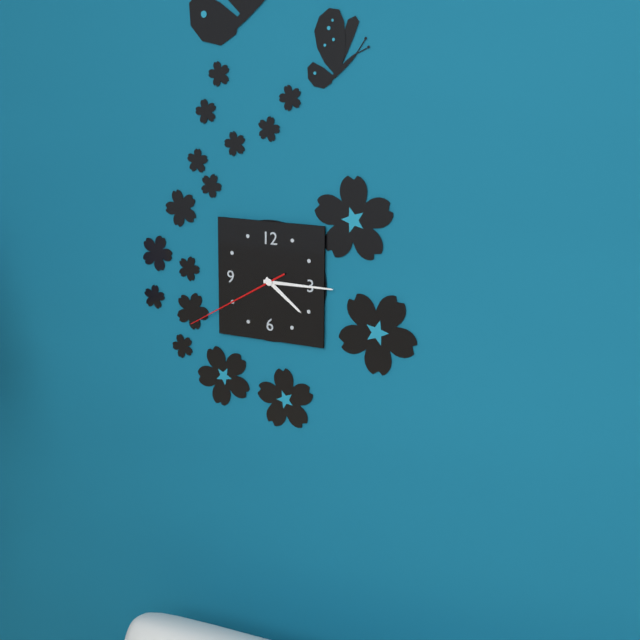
4,15,40
